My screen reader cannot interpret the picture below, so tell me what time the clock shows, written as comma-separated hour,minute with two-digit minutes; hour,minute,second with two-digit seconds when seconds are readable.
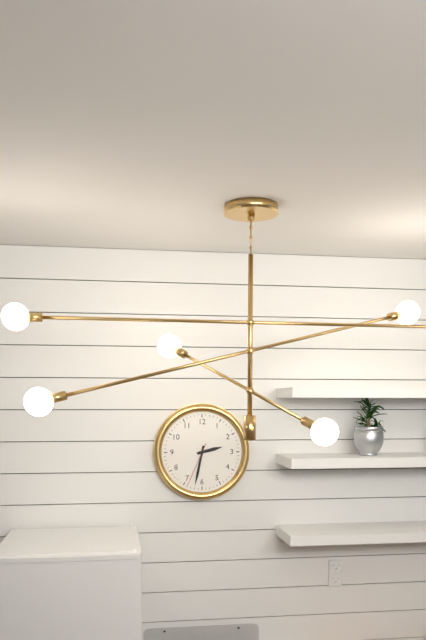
2,32
